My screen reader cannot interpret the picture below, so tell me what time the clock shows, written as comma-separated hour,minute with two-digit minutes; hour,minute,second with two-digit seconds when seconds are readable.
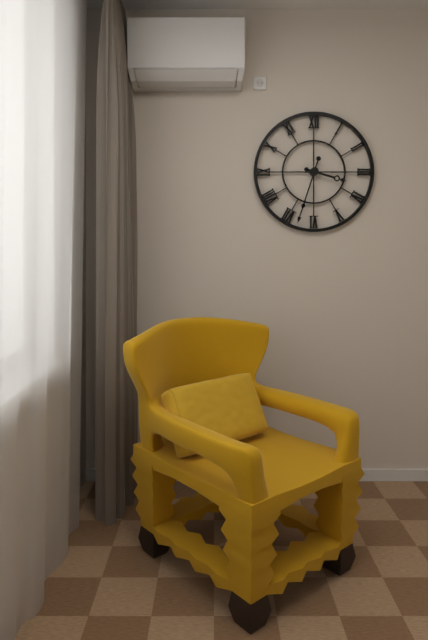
3,33
